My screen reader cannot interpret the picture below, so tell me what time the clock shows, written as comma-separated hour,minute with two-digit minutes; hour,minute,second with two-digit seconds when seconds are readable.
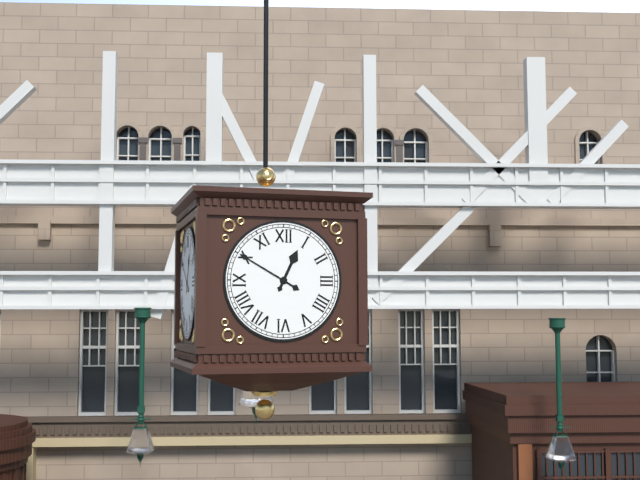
12,50
